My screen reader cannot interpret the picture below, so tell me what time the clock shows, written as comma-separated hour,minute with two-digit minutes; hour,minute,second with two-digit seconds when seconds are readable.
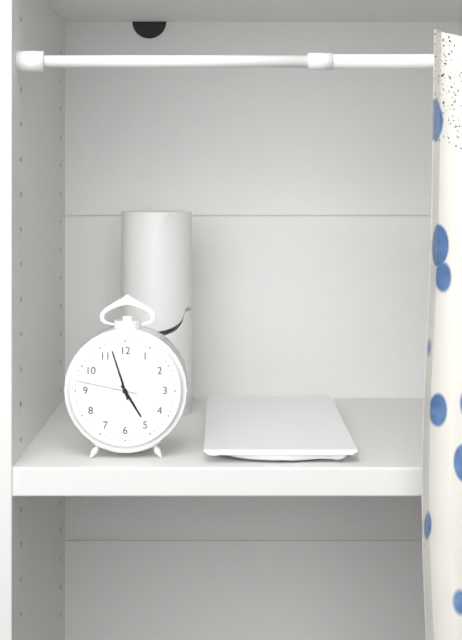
4,57,47
